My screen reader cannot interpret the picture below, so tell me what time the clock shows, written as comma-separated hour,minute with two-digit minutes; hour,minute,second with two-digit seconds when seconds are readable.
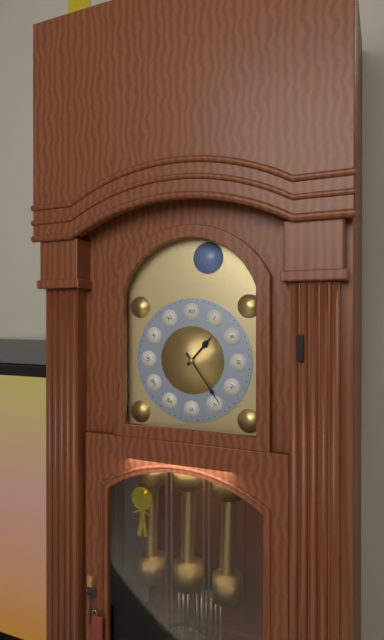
1,24
